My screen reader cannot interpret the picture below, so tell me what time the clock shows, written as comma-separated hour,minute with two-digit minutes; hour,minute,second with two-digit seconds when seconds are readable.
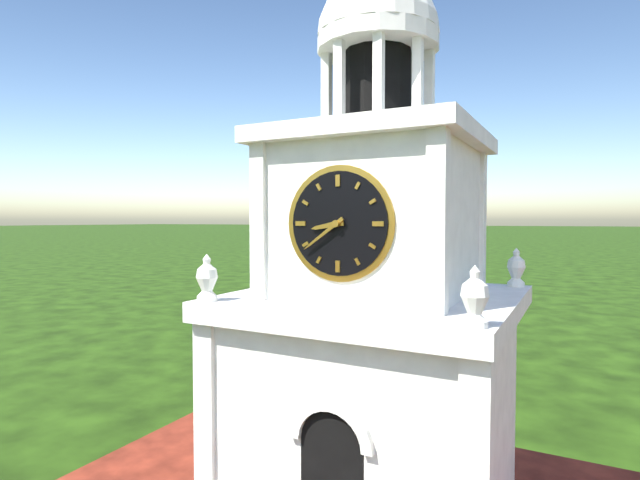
8,39
